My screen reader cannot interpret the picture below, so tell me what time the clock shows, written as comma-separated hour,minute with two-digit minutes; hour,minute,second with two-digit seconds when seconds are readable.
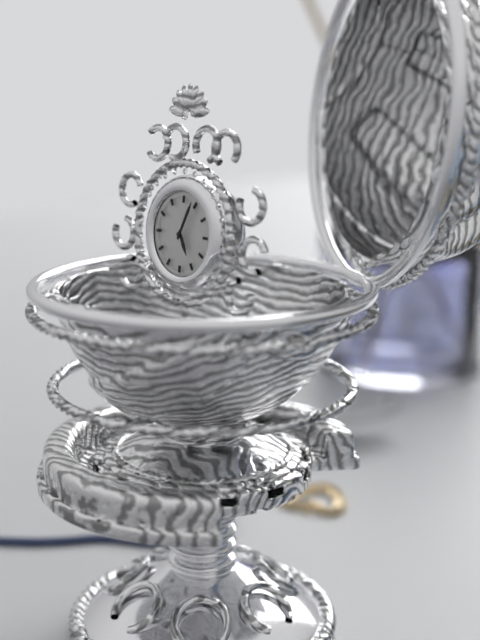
5,04
